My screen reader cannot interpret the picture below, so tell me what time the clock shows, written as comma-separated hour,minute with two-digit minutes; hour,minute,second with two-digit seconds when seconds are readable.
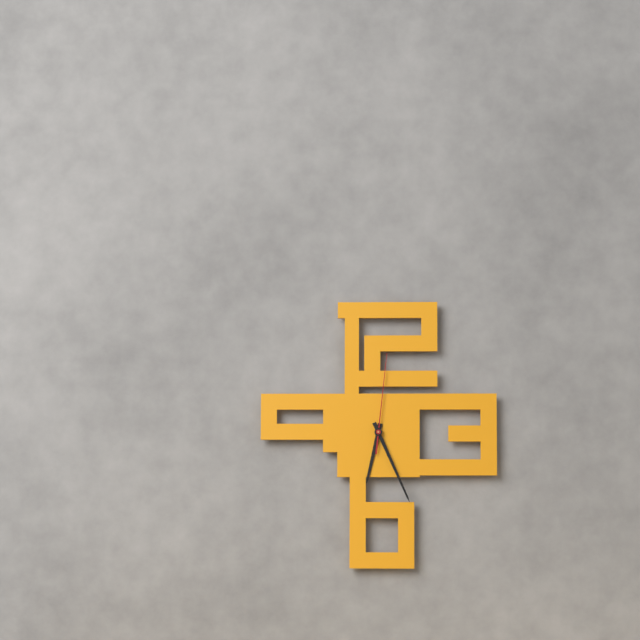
6,26,01
